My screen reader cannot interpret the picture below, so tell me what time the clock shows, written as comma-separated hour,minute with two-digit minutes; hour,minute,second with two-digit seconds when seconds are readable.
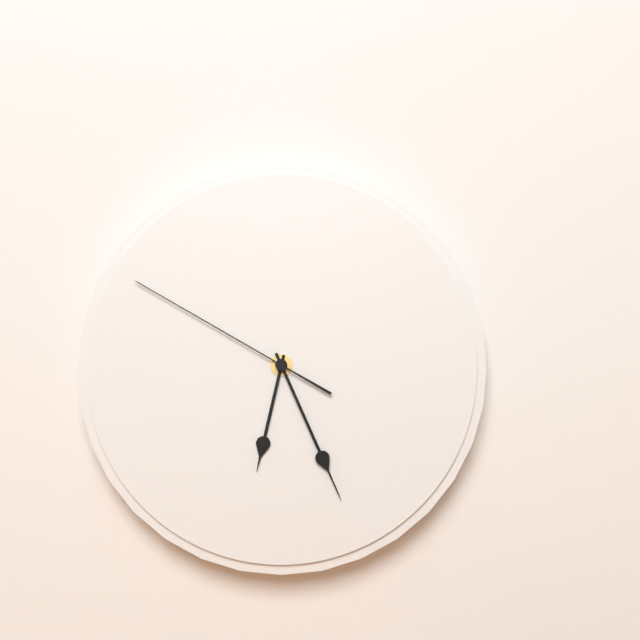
6,26,50
